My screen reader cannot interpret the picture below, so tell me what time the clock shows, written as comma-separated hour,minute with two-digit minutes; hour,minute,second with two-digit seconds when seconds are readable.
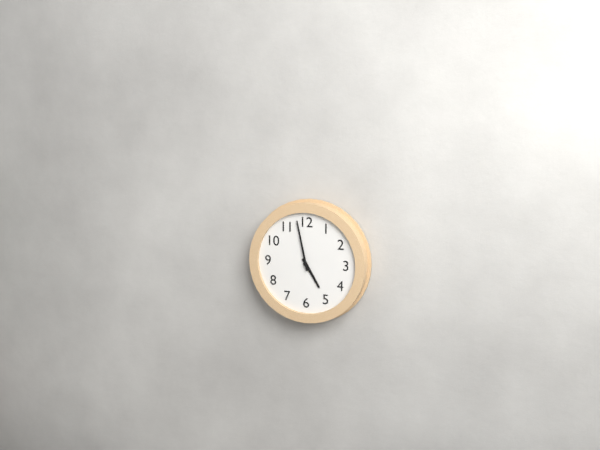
4,58
